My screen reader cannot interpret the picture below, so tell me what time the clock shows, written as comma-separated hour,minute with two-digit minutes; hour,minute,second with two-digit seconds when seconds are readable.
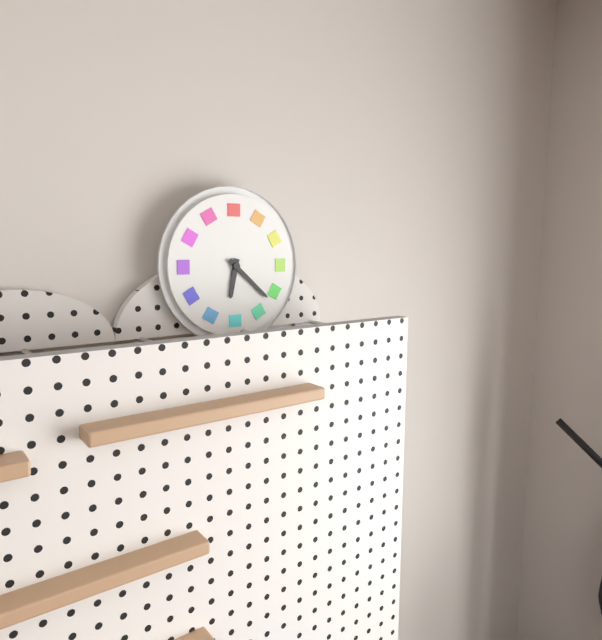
6,22
